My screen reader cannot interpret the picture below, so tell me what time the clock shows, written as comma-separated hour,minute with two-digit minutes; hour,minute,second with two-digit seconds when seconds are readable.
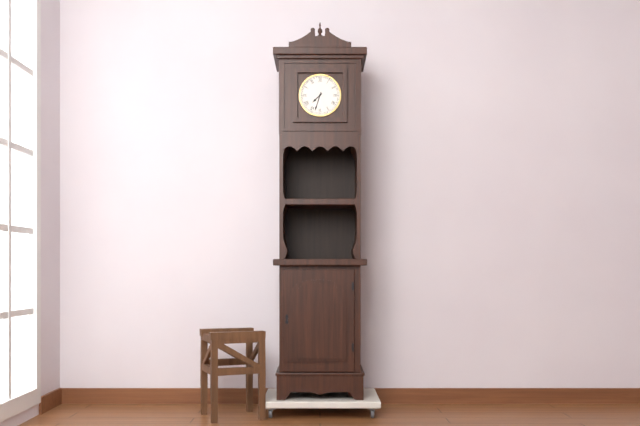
7,33
